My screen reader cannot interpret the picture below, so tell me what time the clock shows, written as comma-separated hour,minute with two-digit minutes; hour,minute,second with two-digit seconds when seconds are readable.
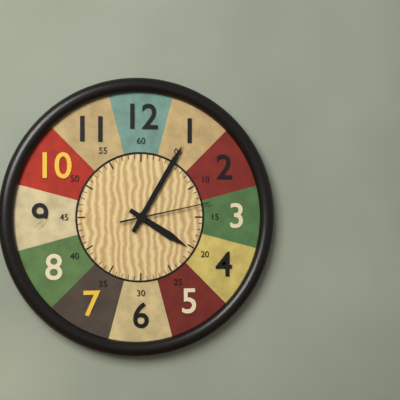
4,05,13
